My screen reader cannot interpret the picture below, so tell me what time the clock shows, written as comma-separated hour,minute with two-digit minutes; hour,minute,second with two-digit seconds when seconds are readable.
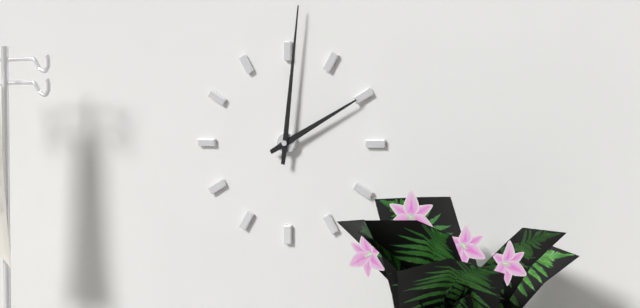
2,01
